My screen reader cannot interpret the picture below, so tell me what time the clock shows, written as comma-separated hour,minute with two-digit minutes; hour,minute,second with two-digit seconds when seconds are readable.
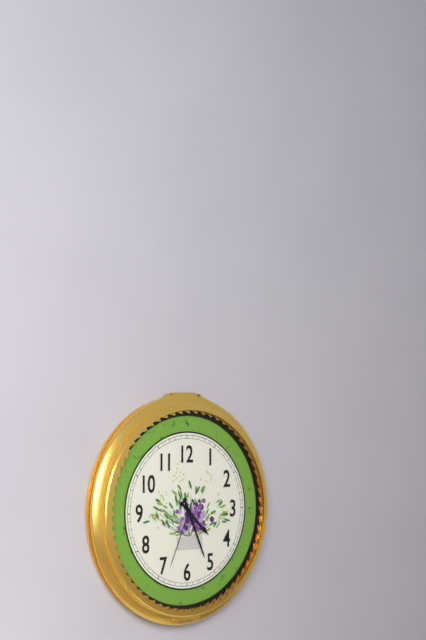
4,26,34
